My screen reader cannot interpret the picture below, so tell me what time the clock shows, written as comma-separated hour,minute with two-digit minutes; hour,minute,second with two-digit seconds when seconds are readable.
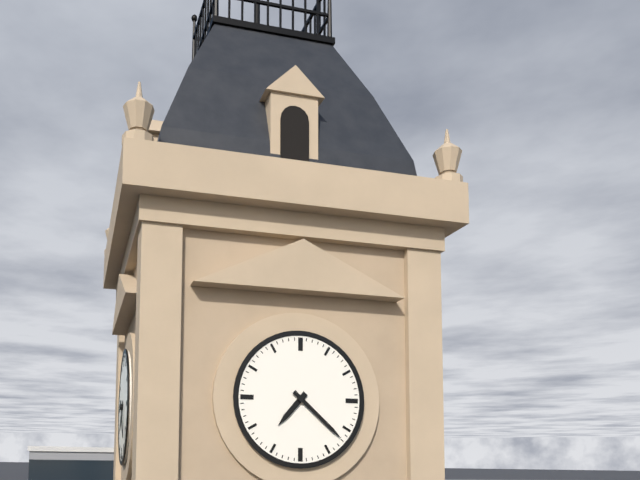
7,22
